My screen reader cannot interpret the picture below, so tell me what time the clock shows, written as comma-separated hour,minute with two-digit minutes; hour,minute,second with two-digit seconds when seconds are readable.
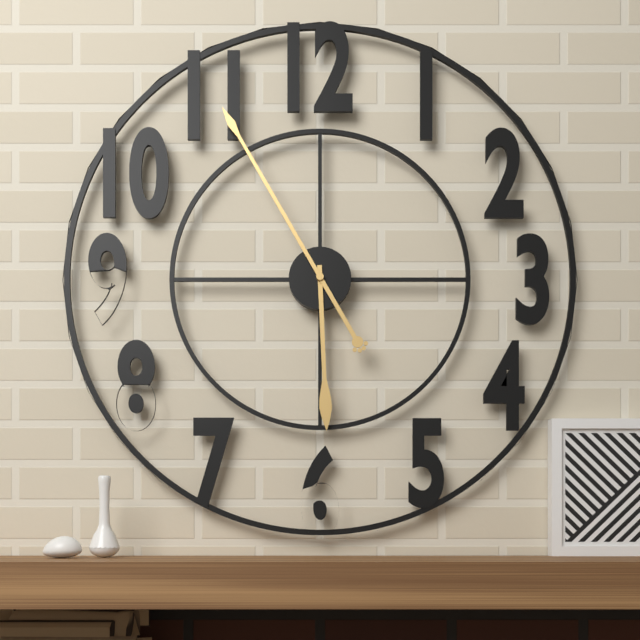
5,55
